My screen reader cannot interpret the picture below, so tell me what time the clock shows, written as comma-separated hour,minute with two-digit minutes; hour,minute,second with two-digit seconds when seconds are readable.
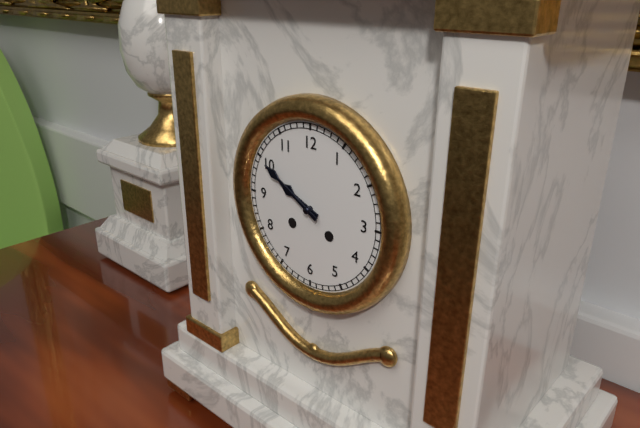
9,50
